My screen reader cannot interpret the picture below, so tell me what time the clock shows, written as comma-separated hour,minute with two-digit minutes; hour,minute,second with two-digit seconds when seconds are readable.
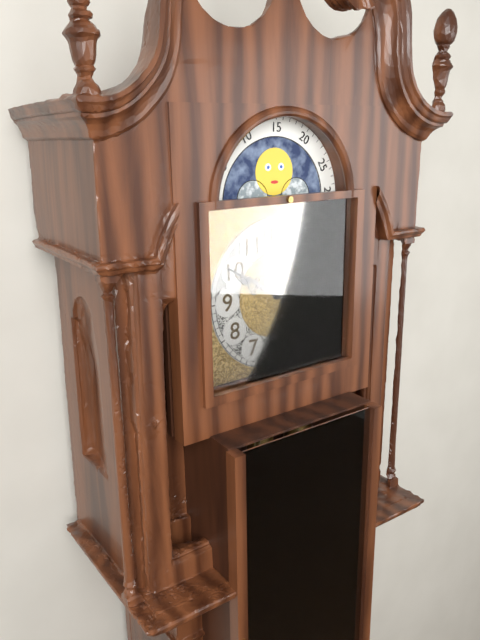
9,50
